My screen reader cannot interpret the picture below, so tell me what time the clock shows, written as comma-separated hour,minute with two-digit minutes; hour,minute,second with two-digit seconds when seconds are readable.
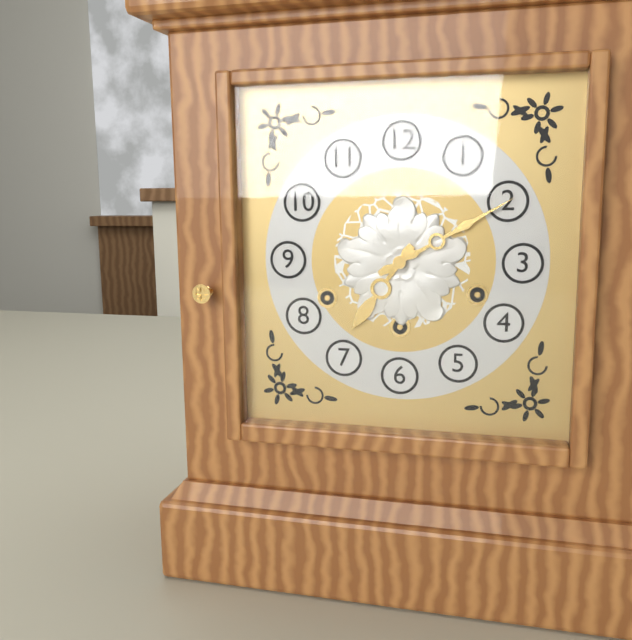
7,10
